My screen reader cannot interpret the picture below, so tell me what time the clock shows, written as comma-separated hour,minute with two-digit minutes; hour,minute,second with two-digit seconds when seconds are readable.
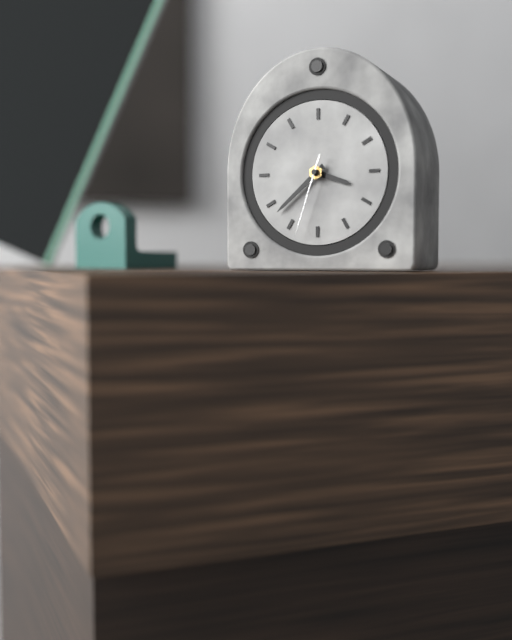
3,38,33
